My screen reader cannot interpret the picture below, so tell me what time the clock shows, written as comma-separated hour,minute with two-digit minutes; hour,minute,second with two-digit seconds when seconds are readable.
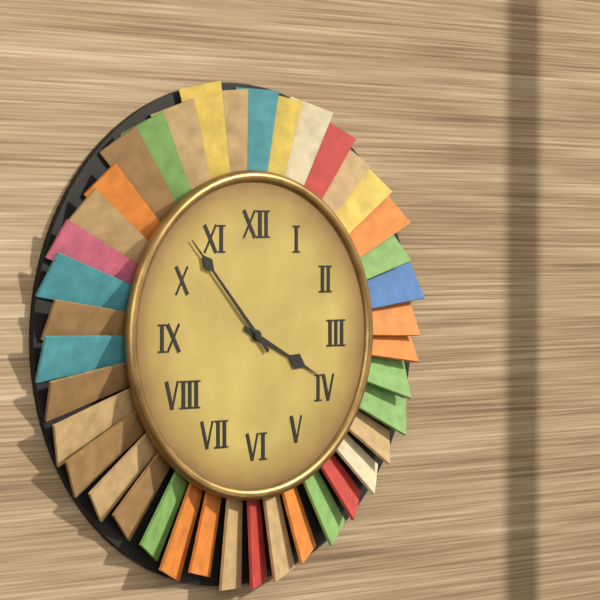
3,53
